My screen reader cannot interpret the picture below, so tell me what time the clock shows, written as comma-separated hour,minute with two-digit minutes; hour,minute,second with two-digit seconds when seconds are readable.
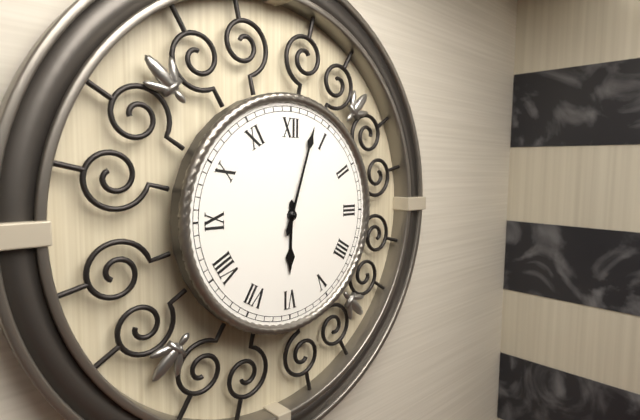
6,03
